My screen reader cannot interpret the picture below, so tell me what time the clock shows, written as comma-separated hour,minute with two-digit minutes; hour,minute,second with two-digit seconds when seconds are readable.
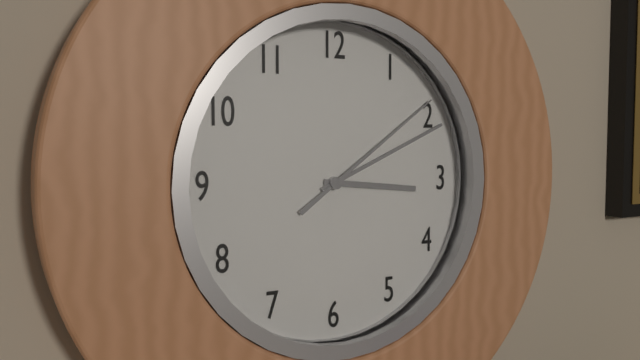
3,11,09
